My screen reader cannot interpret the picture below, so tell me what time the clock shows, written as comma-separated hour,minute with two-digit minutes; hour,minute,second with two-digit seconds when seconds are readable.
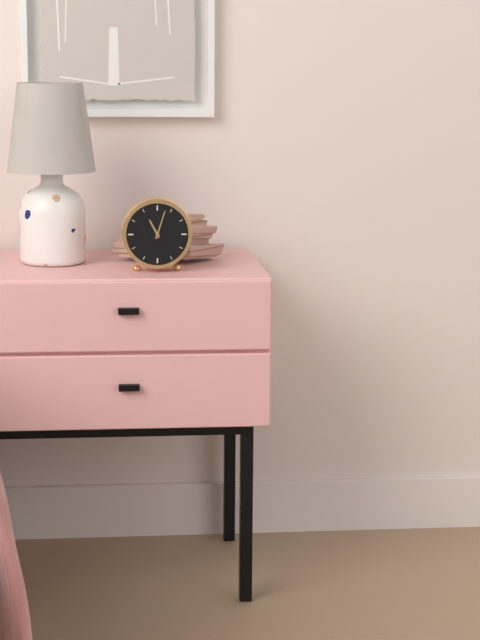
11,03
